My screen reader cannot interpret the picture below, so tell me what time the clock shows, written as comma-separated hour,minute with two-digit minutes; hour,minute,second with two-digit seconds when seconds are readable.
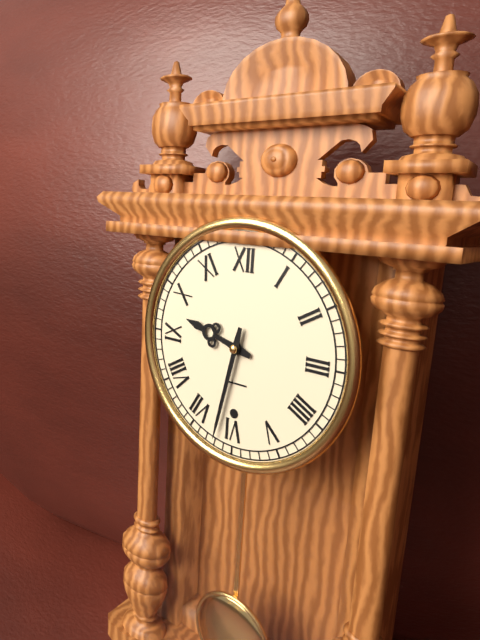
9,32
